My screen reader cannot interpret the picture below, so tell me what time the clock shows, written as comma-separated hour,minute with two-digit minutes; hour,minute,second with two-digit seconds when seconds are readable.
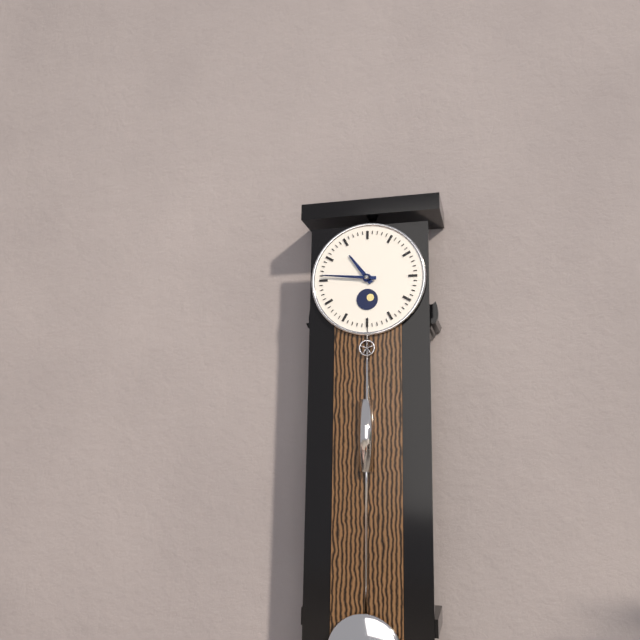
10,46
